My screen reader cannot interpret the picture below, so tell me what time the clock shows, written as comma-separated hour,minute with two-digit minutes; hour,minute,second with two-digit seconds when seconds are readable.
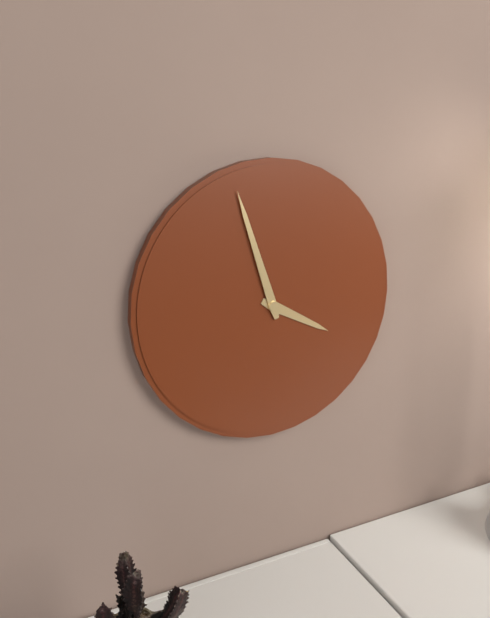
3,57
